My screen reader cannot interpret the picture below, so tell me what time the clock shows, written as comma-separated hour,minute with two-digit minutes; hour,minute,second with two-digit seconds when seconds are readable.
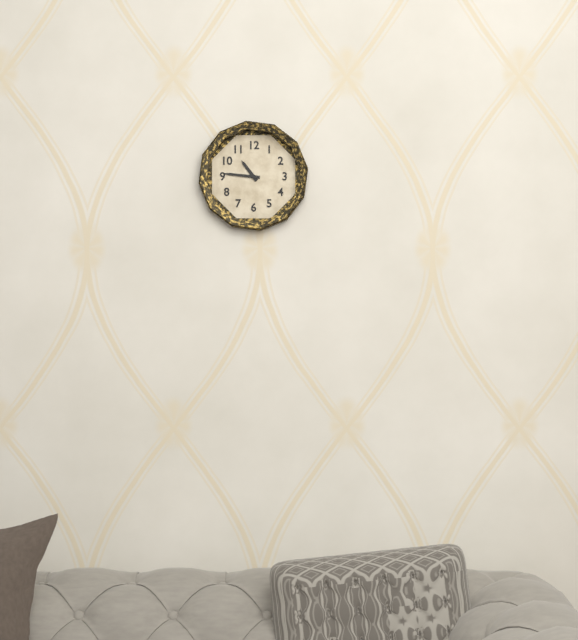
10,46
